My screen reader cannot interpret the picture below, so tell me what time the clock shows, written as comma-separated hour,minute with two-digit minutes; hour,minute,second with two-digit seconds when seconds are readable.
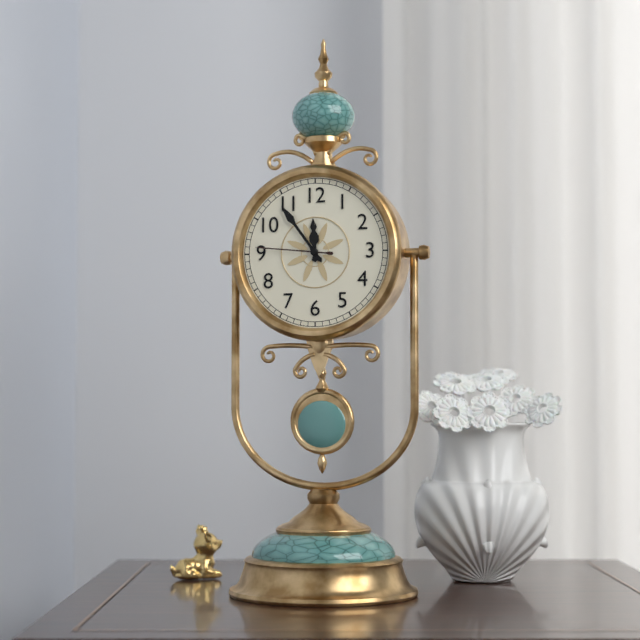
11,54,46
